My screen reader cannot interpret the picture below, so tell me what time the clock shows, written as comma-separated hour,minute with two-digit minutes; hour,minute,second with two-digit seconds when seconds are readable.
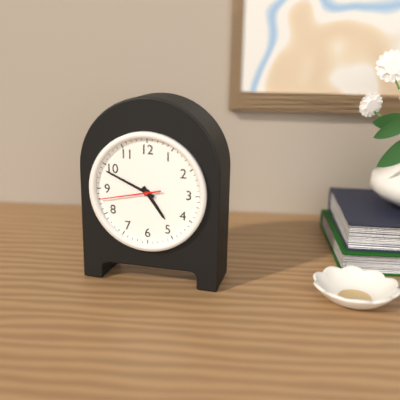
4,49,43
